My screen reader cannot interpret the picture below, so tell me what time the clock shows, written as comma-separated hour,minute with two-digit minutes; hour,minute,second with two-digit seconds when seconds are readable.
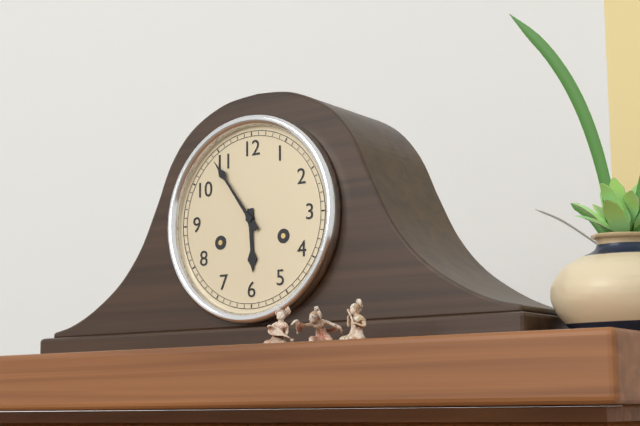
5,54
